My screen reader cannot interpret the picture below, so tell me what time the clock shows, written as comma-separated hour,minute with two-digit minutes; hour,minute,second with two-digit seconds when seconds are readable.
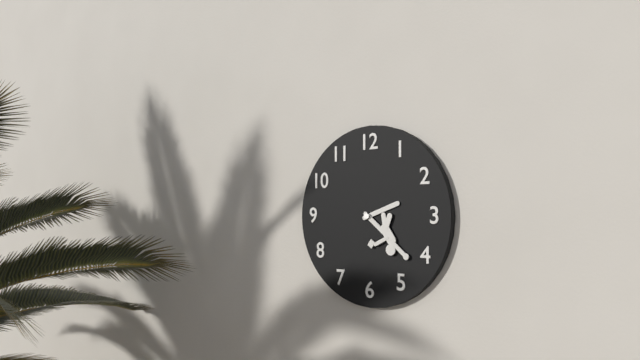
2,21
